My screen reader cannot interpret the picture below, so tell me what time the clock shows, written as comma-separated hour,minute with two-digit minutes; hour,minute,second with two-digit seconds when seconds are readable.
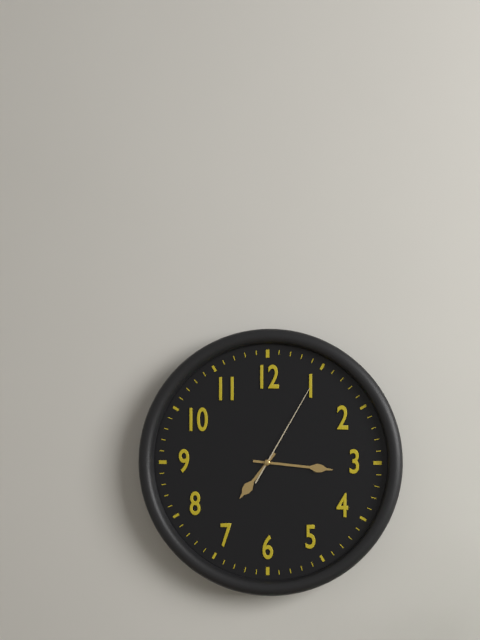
7,16,05
